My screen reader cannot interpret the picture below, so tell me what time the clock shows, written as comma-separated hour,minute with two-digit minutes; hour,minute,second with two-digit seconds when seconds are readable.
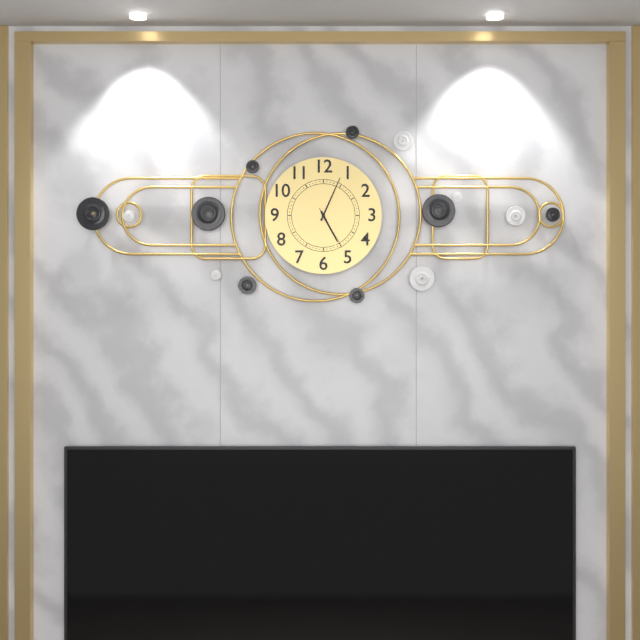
5,04
